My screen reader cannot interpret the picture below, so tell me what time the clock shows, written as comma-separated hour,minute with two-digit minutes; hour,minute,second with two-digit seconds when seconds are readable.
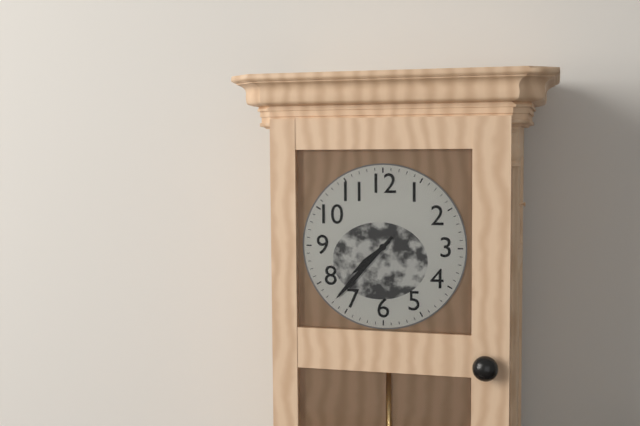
7,37
